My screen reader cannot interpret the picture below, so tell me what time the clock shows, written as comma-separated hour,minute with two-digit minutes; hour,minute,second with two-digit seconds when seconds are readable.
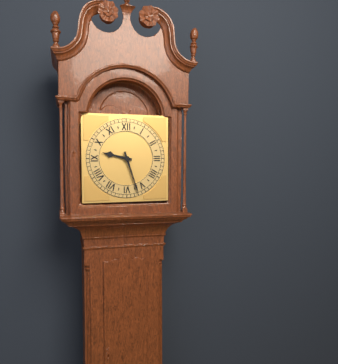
9,27
